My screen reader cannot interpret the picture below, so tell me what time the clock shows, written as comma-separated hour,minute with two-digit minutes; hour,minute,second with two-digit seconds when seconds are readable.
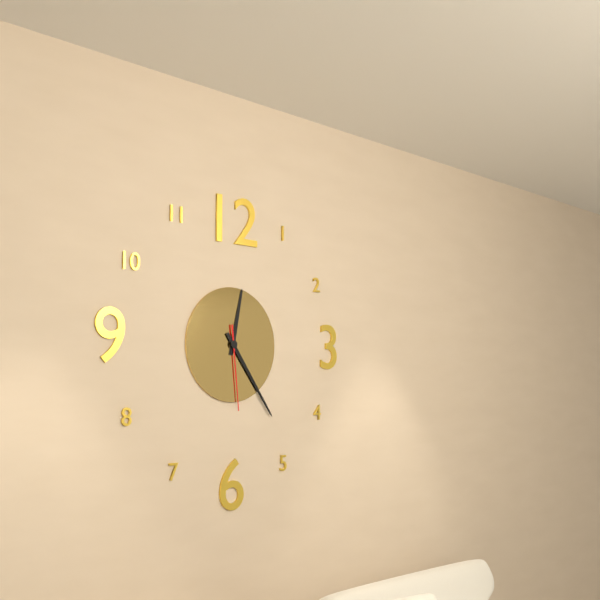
12,24,29
